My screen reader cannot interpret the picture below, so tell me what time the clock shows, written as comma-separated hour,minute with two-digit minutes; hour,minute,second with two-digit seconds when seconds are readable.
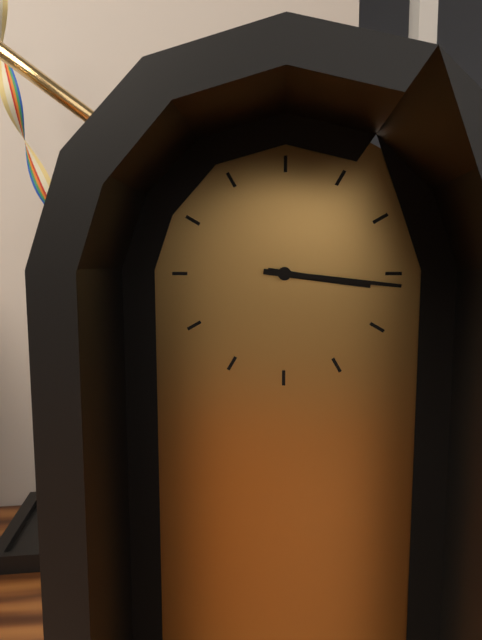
3,16
